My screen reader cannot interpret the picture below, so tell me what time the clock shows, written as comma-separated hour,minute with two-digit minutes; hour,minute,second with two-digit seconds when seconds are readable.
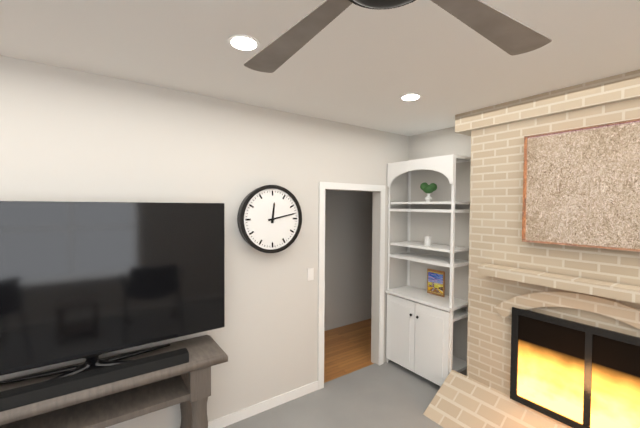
12,13
